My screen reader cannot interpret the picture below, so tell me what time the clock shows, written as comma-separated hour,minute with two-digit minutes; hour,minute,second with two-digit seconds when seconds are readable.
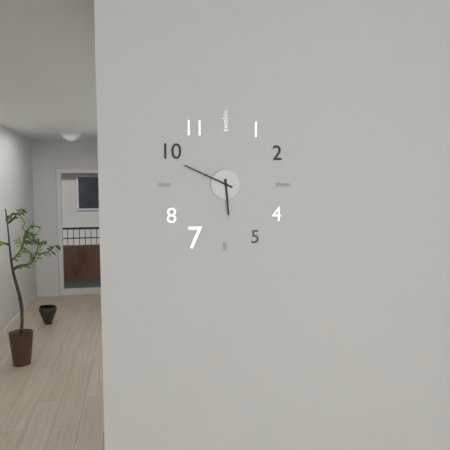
5,49
